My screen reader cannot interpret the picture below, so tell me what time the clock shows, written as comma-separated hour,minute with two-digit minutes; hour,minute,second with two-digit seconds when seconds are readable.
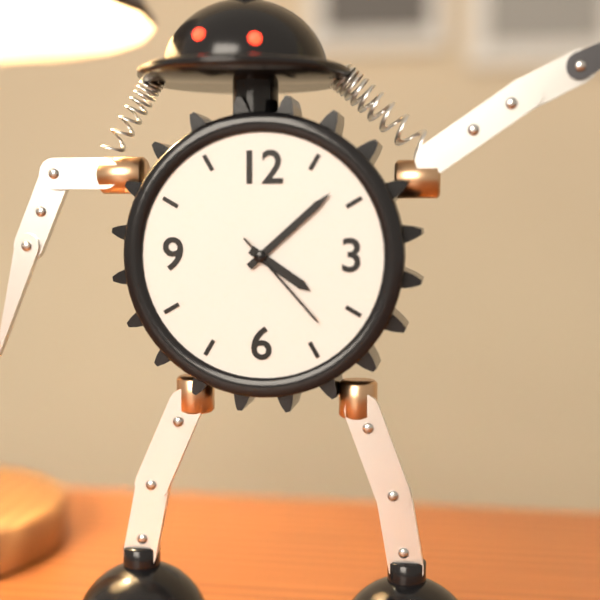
4,08,23
